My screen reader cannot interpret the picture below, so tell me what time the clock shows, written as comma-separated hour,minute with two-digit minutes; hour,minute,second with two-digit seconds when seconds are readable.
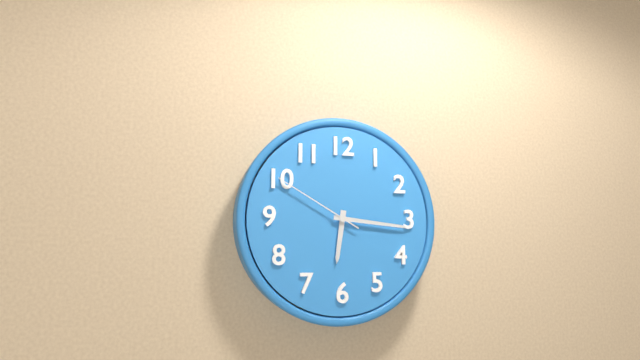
6,16,50
